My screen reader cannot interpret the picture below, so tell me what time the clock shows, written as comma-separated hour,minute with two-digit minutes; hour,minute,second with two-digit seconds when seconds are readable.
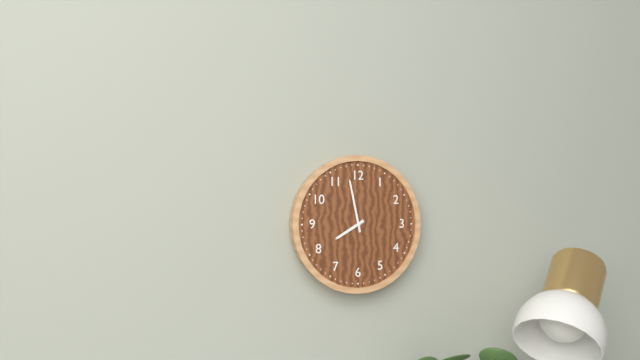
7,58
